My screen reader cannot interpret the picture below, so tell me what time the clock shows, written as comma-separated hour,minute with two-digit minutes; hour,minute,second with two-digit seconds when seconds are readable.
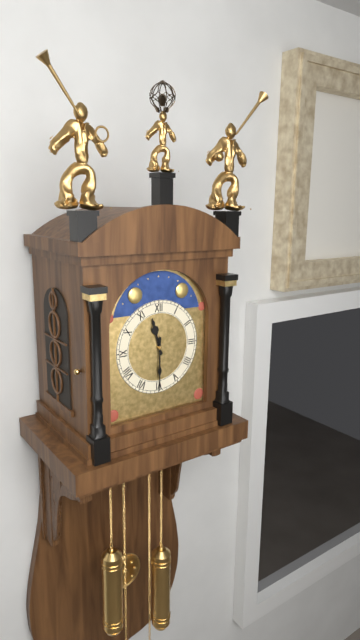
11,30
